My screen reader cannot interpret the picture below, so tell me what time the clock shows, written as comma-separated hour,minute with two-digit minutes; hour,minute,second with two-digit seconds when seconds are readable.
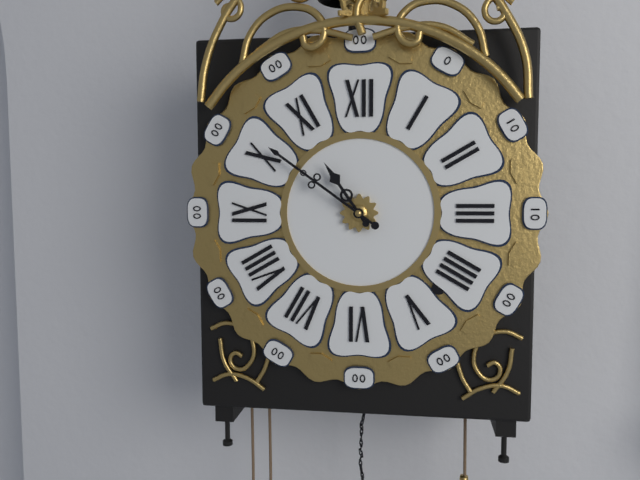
10,51
